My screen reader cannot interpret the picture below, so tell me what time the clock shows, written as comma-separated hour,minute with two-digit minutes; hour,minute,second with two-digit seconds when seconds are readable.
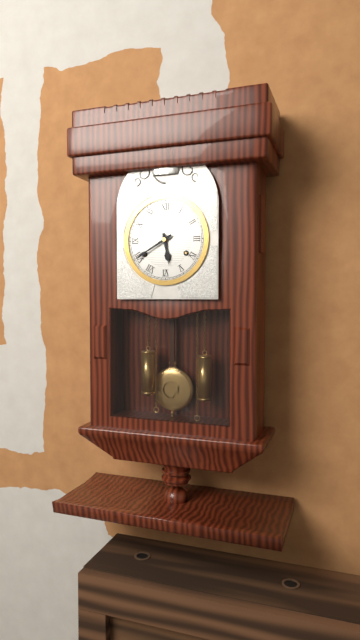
5,40
